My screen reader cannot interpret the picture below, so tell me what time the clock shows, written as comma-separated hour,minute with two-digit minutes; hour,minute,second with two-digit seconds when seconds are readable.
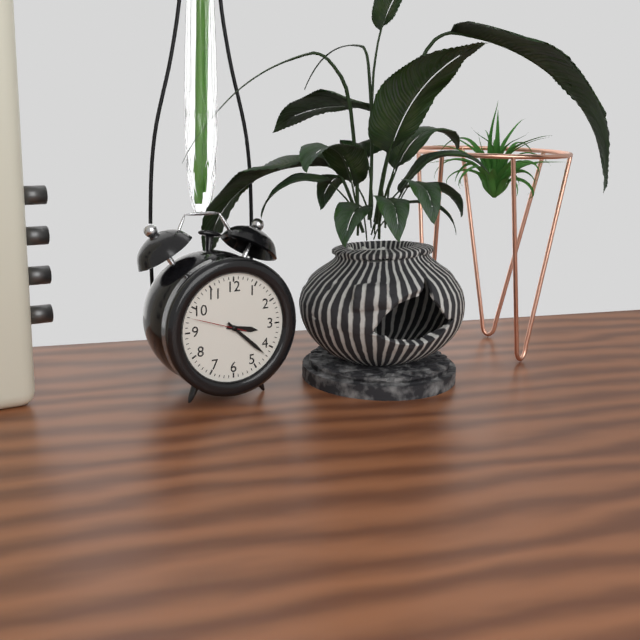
3,22,48
